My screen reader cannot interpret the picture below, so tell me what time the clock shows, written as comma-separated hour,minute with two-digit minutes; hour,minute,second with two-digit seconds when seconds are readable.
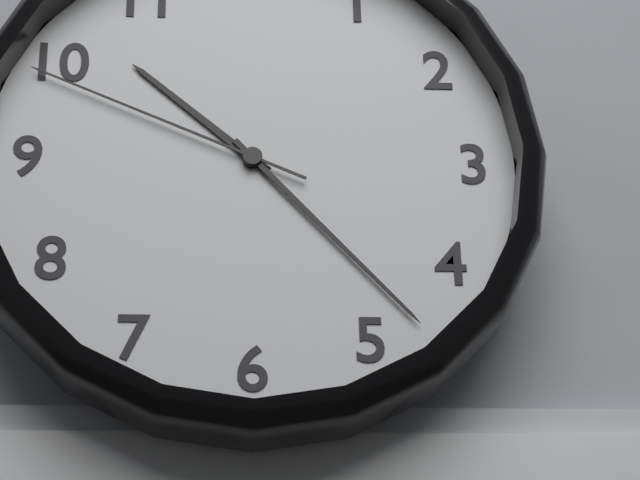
10,23,49
